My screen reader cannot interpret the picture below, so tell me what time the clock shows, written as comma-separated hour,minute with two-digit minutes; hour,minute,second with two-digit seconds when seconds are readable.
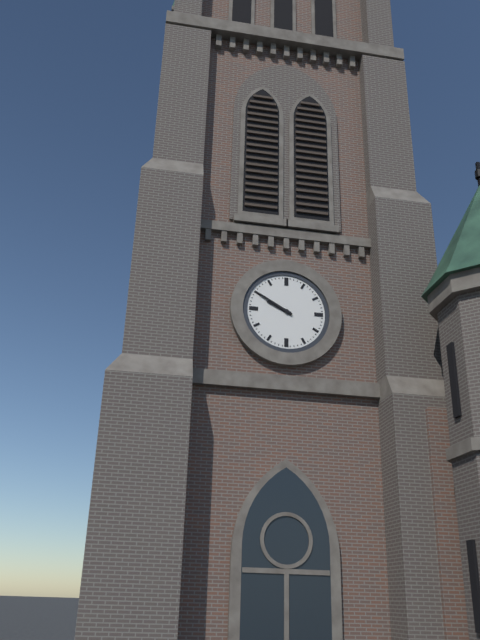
9,50
